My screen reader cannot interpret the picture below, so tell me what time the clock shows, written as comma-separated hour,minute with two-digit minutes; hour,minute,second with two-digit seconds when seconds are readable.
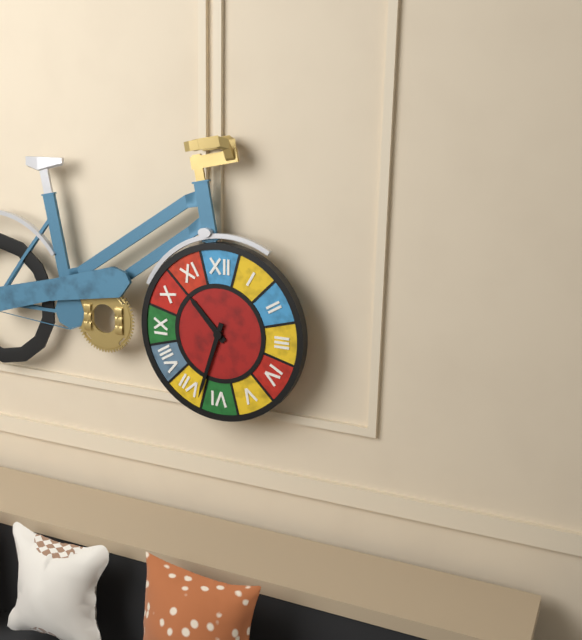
10,33
